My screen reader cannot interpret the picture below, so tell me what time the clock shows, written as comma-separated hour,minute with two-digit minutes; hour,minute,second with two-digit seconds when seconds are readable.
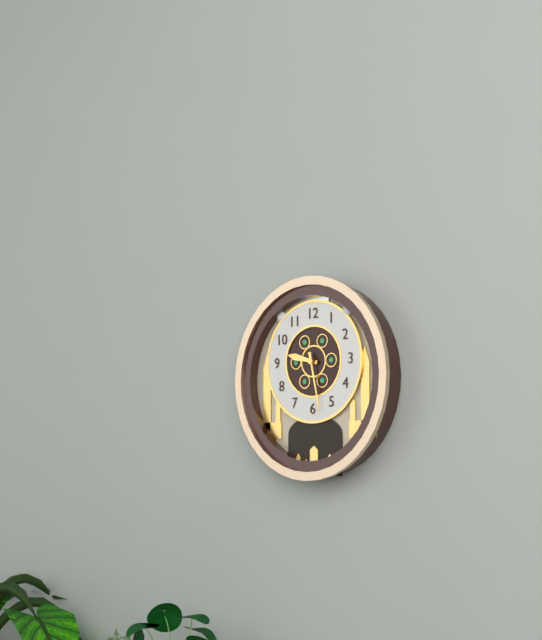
9,28
